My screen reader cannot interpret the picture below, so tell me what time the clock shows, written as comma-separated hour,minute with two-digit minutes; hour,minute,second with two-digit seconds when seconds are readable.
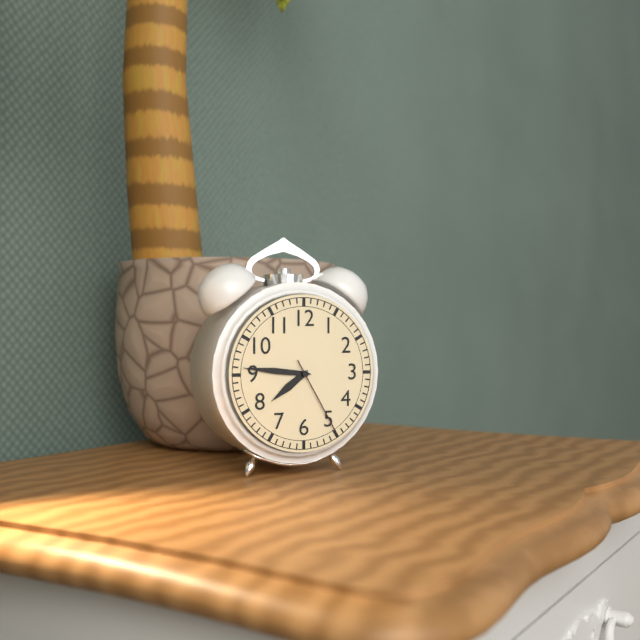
7,46,25
